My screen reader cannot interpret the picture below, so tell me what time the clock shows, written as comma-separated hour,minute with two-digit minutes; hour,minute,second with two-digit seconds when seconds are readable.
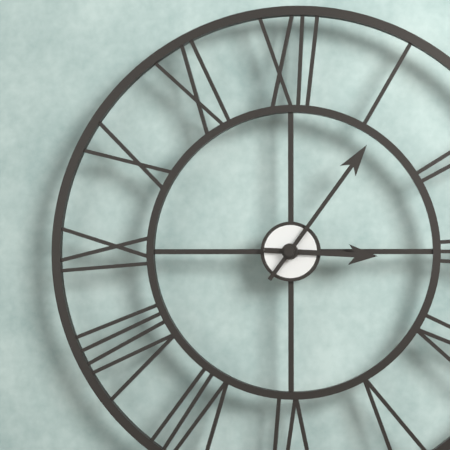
3,06
